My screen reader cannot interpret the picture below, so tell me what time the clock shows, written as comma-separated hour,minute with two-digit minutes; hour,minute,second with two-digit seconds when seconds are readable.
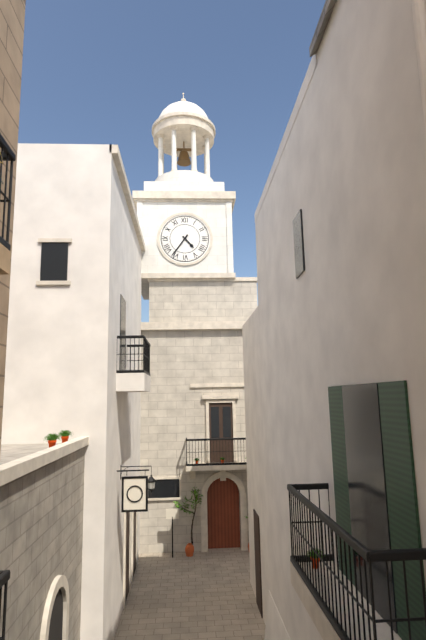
4,36
